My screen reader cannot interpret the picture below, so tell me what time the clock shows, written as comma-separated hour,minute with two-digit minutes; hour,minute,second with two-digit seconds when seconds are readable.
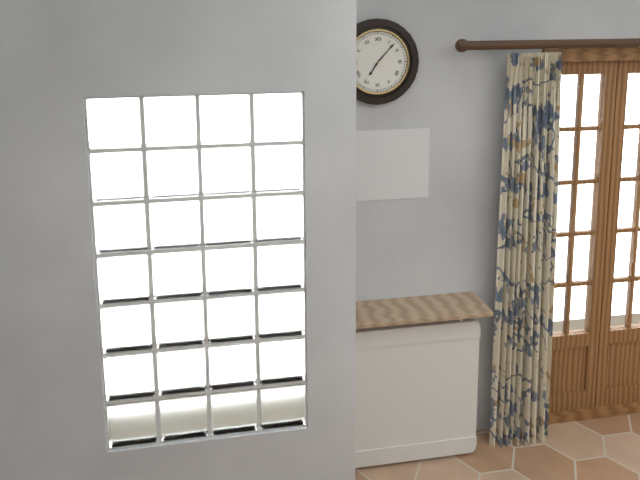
7,07
